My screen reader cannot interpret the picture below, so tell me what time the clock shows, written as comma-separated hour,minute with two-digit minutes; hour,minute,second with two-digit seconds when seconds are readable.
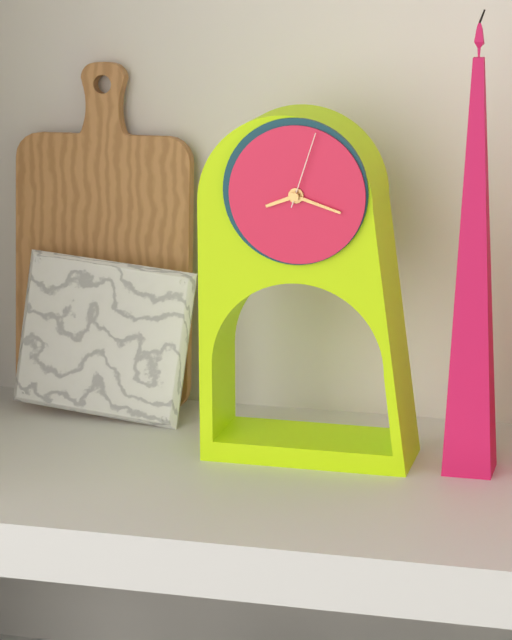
8,18,03
